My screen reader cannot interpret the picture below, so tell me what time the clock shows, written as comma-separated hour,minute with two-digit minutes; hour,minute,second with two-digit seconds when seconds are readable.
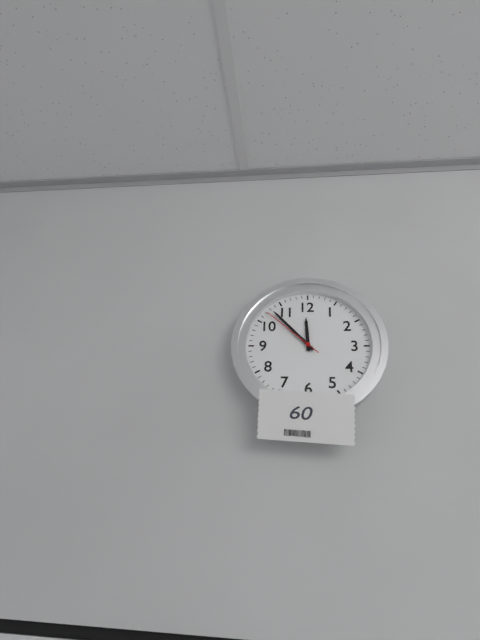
11,53,52
